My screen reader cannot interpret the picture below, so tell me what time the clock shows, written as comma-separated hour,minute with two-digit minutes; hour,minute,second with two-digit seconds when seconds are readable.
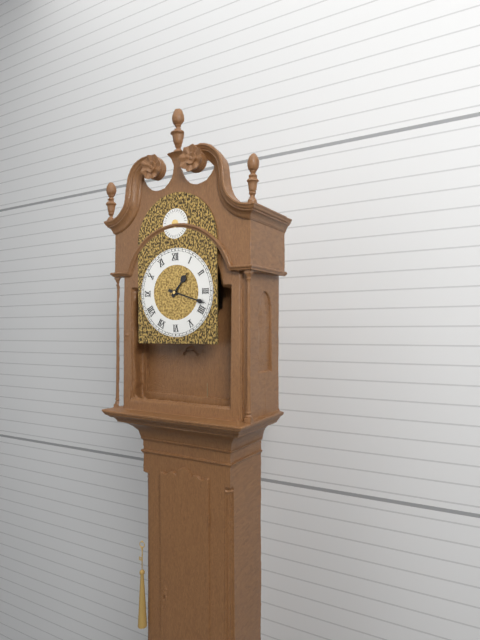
1,18
